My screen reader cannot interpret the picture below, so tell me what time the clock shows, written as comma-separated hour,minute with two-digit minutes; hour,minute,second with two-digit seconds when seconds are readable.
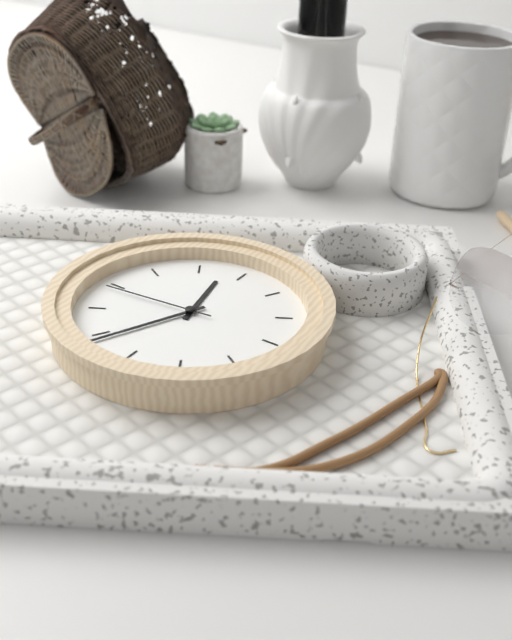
11,34,44
